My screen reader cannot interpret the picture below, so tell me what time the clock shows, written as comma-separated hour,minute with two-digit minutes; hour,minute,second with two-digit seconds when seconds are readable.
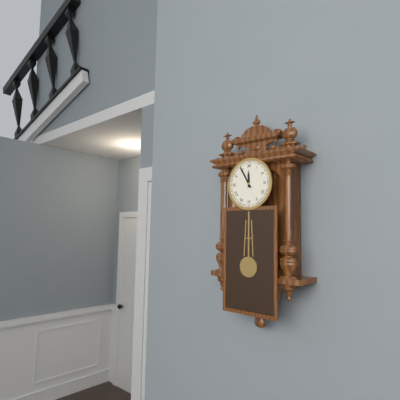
11,55
